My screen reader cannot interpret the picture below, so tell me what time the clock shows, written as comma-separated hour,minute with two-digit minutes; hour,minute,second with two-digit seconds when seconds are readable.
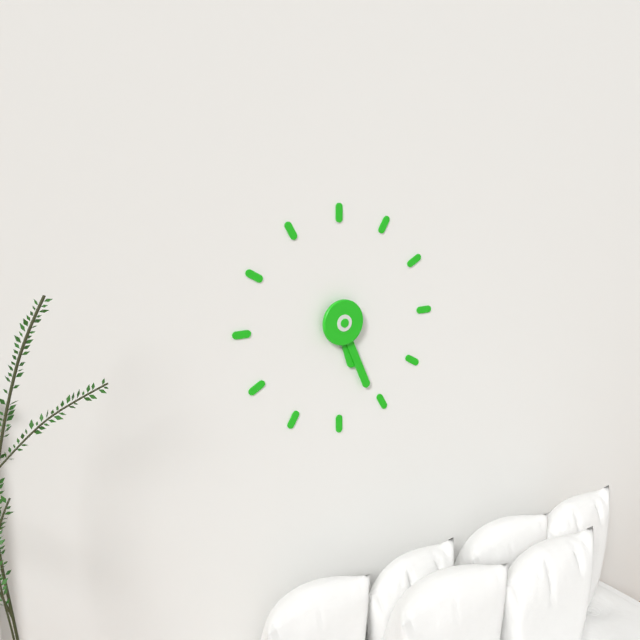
5,26
